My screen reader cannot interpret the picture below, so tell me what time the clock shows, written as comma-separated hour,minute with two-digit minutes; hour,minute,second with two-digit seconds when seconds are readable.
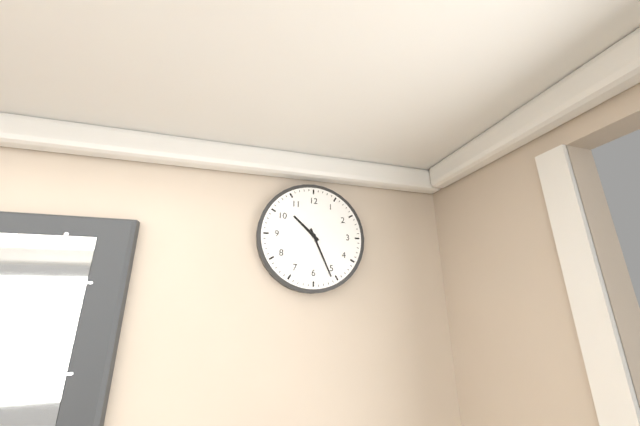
10,26
